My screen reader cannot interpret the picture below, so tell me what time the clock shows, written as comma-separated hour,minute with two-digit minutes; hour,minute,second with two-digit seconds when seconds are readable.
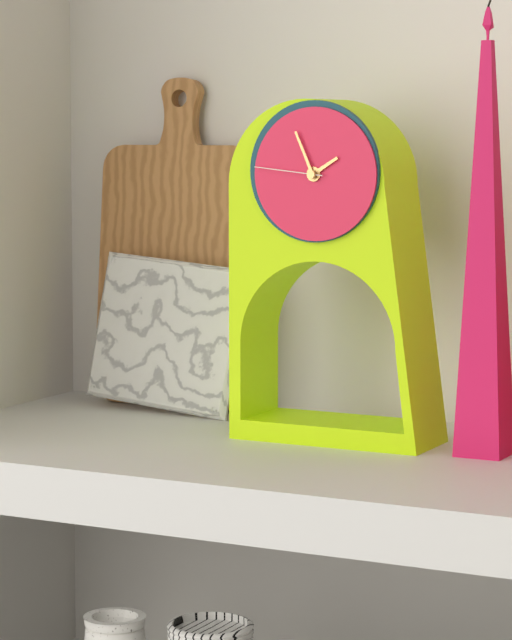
1,56,46
